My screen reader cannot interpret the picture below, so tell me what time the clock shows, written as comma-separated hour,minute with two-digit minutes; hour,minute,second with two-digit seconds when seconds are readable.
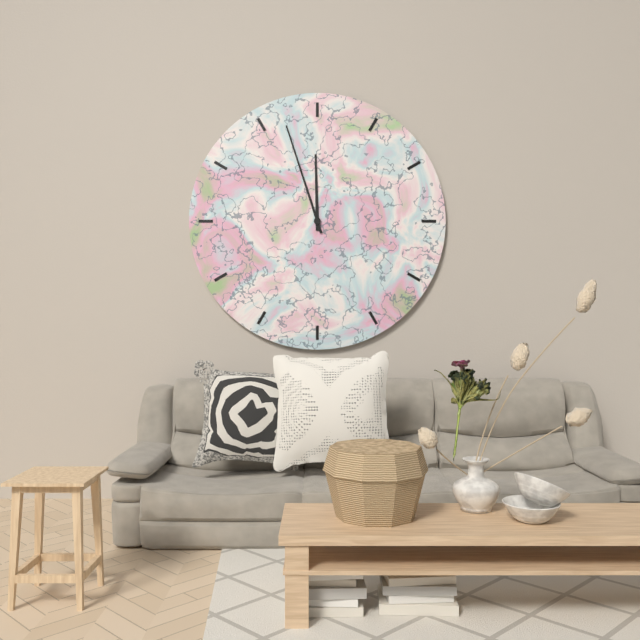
11,57
